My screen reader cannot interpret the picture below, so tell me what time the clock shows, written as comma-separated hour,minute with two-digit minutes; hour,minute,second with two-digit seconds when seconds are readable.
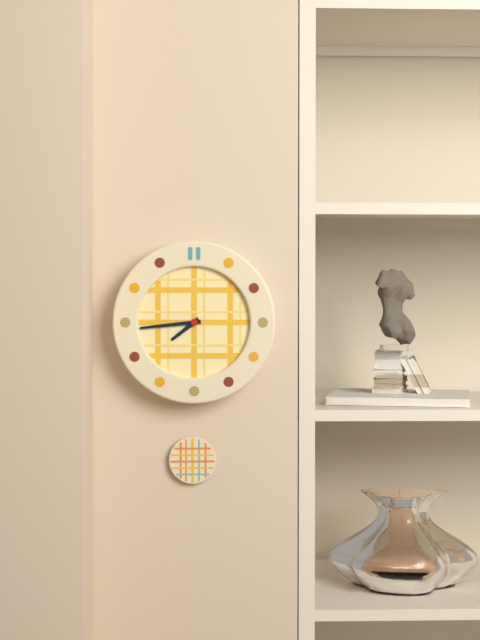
7,44
